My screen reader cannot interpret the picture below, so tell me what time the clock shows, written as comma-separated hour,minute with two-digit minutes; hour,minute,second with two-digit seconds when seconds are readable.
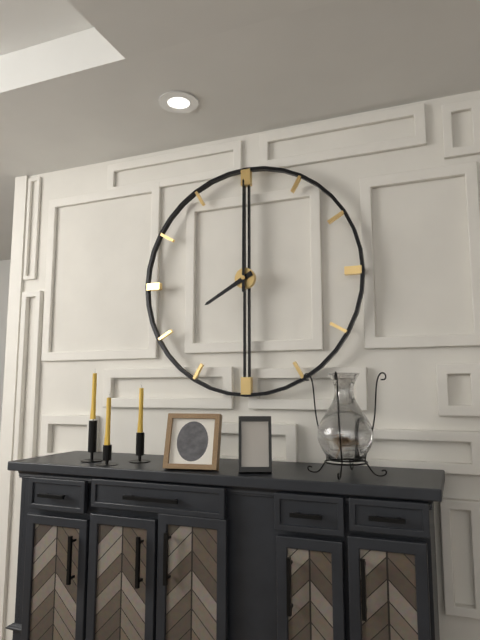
8,00
